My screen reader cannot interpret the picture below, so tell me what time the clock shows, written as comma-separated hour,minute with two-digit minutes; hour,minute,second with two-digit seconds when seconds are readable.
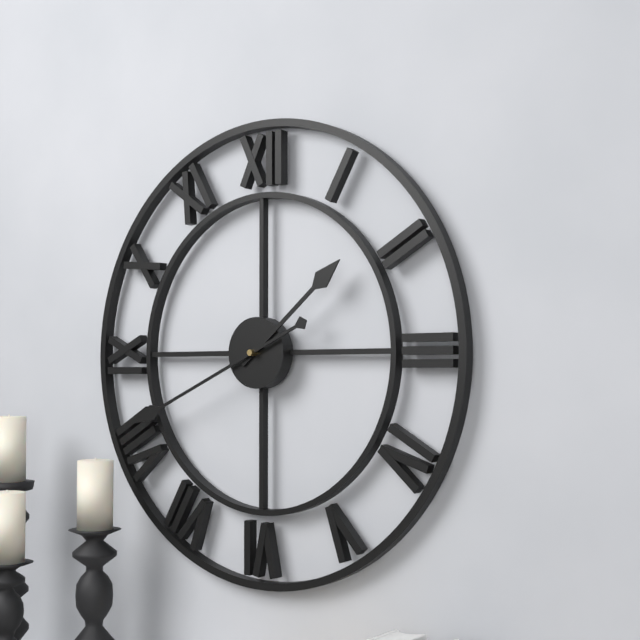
1,41
